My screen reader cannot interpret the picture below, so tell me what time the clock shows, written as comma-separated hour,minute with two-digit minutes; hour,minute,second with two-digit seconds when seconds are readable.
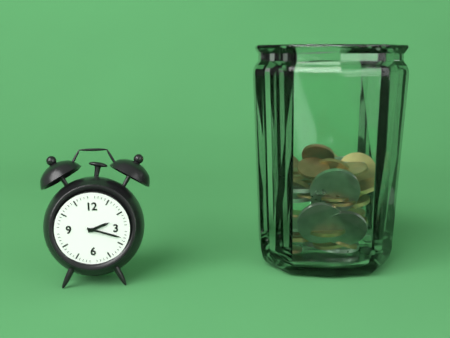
2,18
